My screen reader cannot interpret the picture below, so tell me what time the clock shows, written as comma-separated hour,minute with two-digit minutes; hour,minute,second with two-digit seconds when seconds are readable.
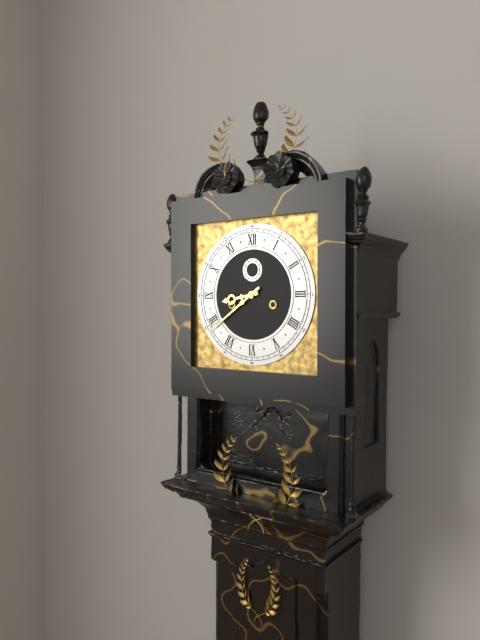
8,39
